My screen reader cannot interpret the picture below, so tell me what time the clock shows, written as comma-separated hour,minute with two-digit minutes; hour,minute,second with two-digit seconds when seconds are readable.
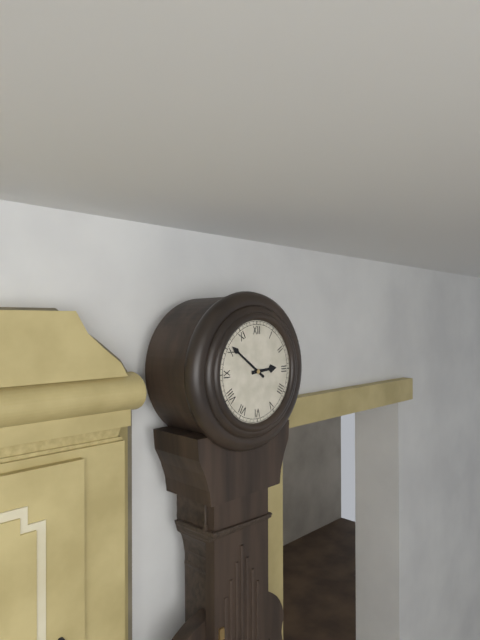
2,51
